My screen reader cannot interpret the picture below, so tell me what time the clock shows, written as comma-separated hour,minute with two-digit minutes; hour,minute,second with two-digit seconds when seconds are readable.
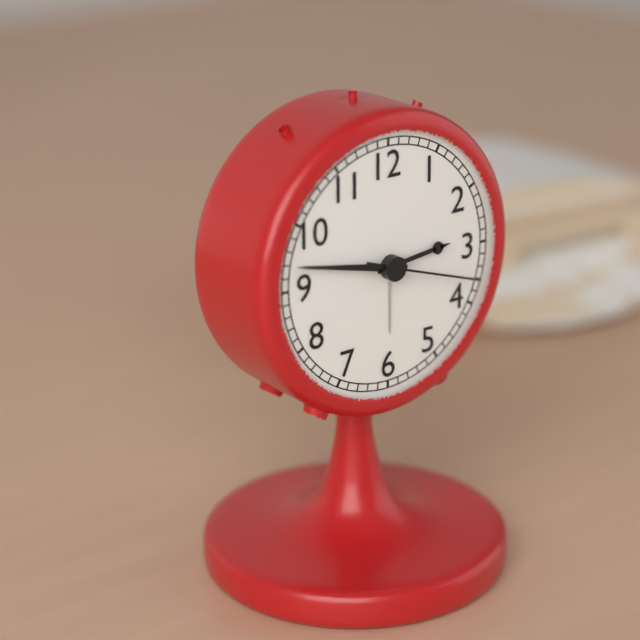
2,47,18
